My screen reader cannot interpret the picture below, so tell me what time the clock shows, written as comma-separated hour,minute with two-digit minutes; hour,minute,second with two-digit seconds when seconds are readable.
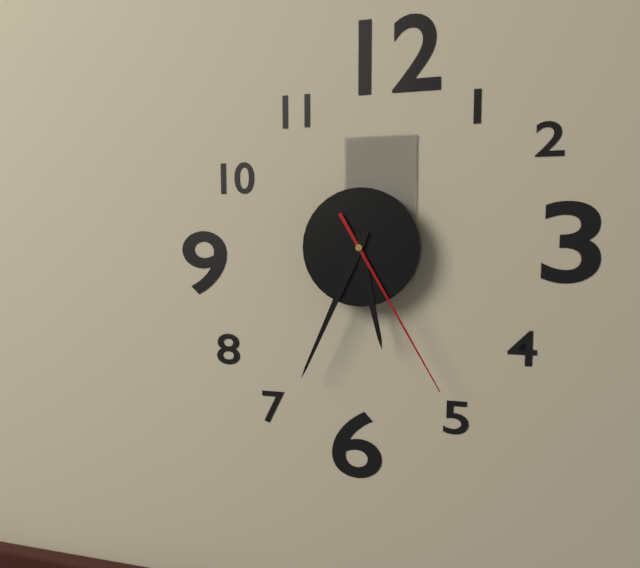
5,34,25
